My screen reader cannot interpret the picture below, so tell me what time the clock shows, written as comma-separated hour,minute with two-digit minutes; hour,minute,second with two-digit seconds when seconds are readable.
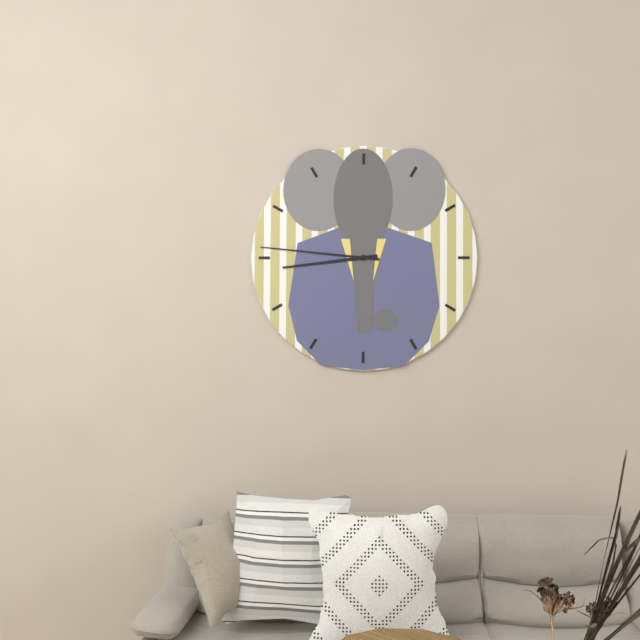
8,46
